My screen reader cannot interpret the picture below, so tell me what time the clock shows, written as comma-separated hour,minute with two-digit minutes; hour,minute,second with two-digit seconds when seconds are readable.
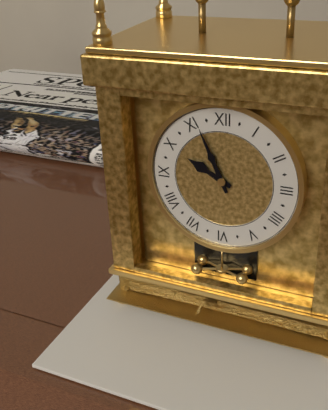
9,56
